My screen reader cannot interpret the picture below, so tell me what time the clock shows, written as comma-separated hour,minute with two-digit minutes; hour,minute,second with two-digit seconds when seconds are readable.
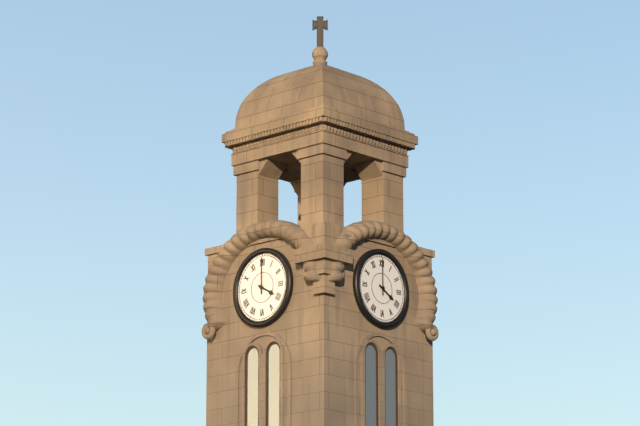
4,00
